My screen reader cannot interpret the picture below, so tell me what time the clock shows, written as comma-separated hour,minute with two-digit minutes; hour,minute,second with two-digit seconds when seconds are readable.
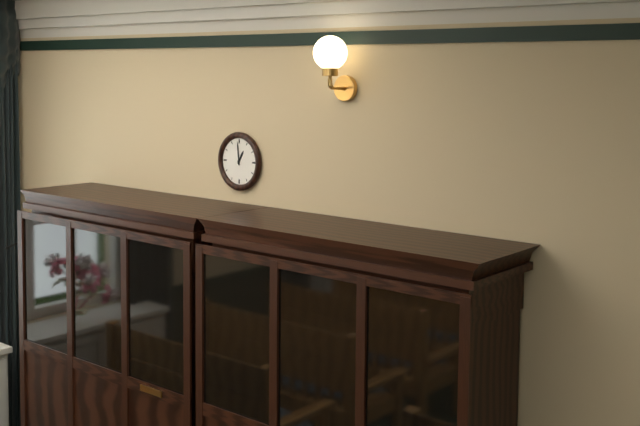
12,59
